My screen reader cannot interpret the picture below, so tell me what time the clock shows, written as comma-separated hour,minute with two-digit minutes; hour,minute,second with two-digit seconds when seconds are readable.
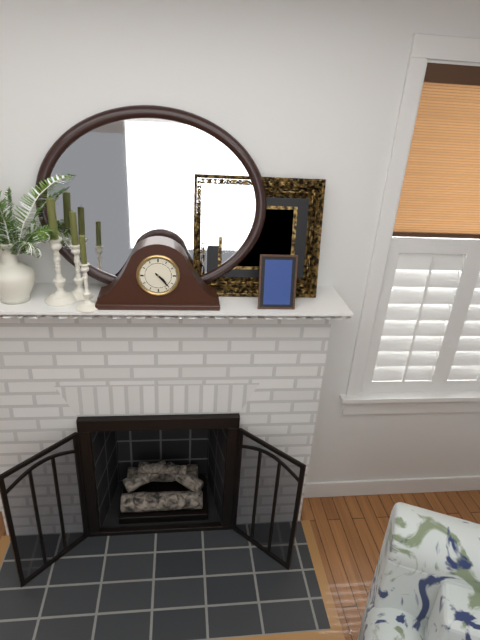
4,23
